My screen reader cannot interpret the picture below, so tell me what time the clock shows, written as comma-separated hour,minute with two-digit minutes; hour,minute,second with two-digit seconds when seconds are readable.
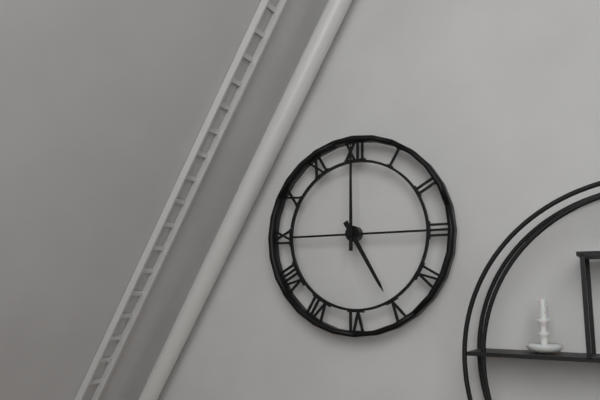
5,00
